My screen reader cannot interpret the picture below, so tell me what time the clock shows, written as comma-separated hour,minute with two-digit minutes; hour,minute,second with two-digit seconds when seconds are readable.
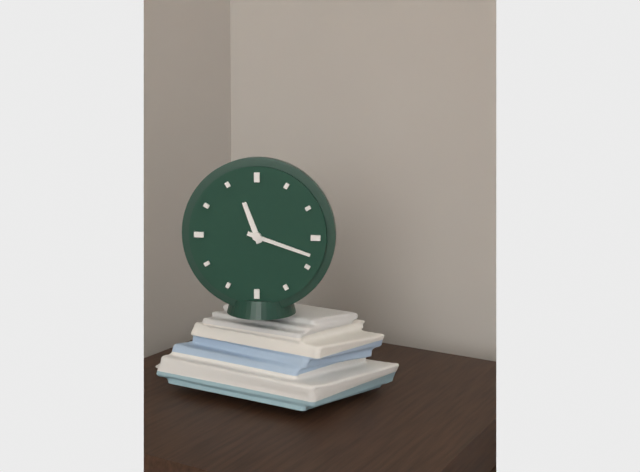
11,18
